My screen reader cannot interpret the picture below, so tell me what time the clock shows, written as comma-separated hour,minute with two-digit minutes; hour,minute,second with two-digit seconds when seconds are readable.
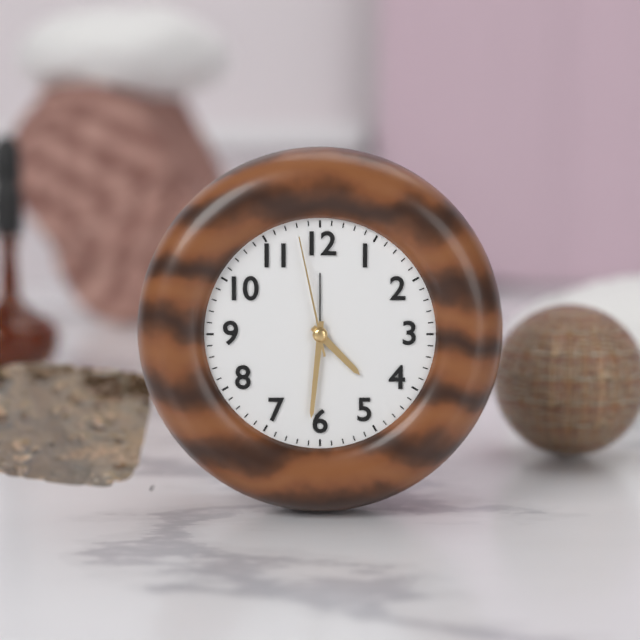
4,31,58
